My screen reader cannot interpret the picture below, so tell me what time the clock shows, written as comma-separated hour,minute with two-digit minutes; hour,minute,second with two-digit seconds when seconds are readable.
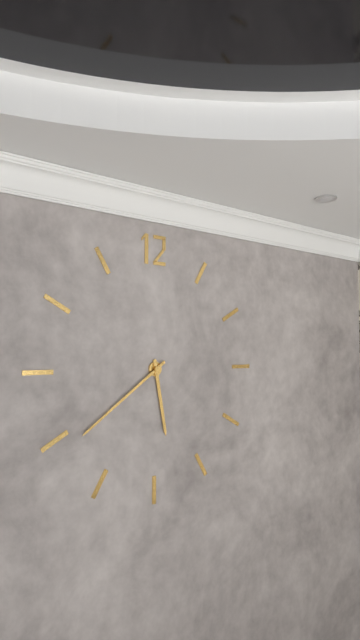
5,39
